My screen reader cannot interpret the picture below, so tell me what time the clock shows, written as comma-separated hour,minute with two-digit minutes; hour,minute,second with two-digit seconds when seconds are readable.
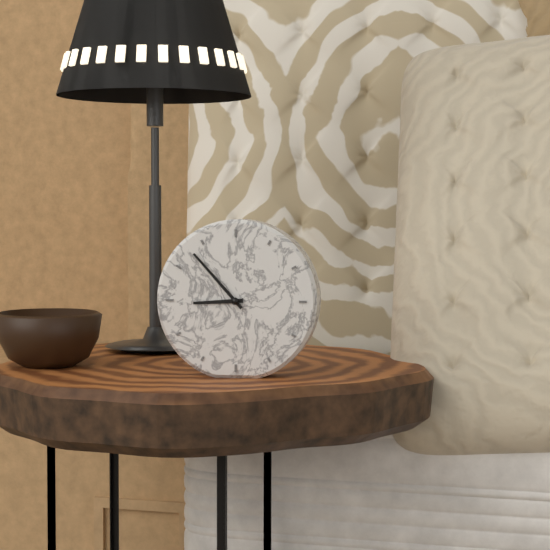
8,53
